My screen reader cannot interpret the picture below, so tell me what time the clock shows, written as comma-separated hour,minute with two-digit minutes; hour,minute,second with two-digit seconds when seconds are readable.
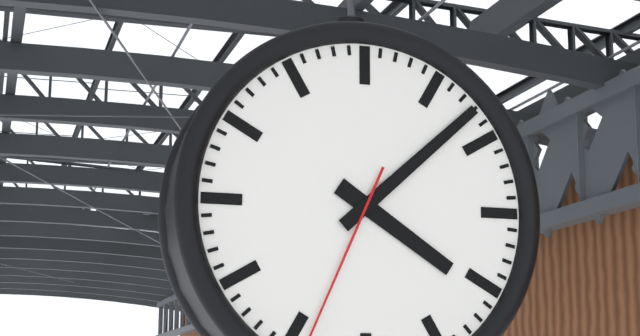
4,08
